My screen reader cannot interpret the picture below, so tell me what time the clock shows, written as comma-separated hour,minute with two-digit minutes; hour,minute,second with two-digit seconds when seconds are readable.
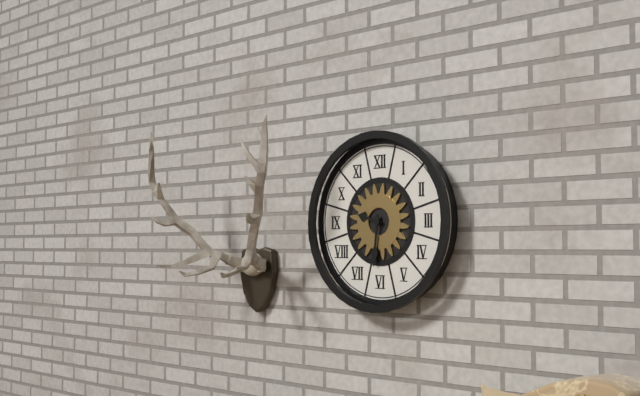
9,31
